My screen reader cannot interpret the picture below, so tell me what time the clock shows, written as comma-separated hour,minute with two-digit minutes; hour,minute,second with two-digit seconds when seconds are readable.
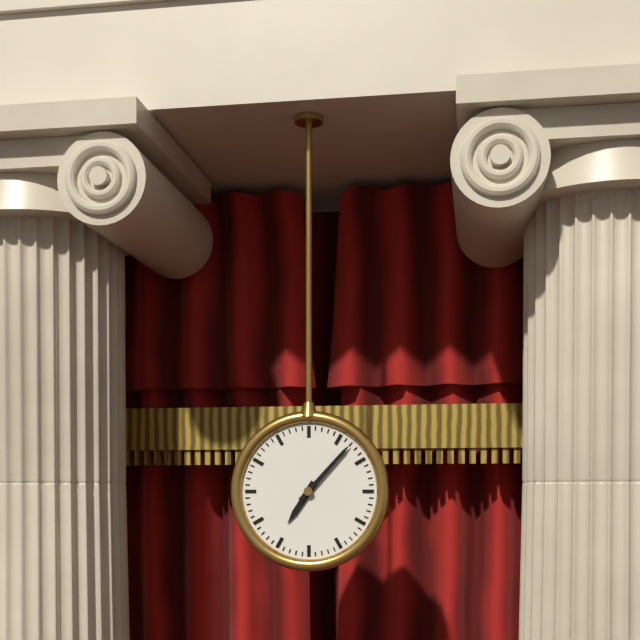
7,07
